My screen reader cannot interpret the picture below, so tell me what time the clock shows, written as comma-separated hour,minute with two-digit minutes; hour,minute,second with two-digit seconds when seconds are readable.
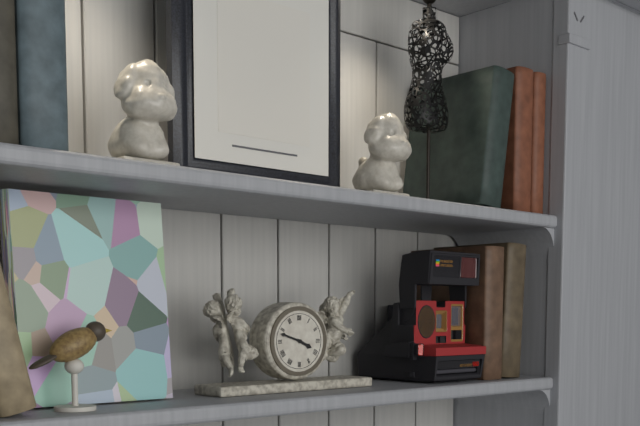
3,48
